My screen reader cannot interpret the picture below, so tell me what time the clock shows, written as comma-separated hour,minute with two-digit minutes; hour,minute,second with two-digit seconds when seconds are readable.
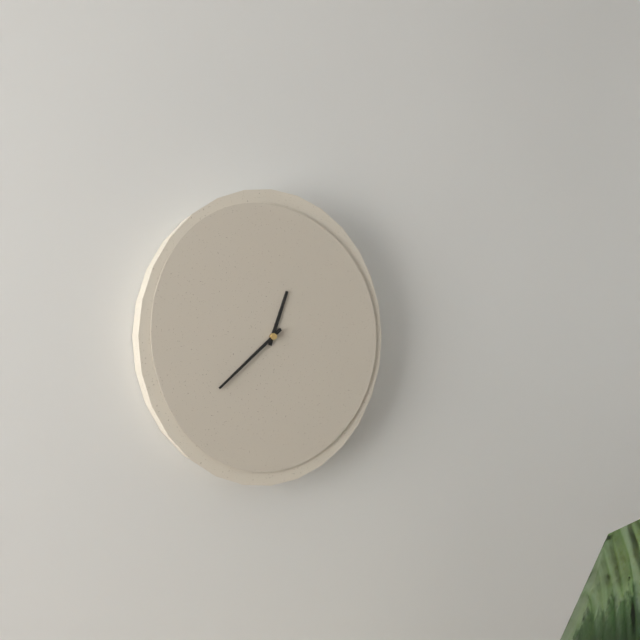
12,38
